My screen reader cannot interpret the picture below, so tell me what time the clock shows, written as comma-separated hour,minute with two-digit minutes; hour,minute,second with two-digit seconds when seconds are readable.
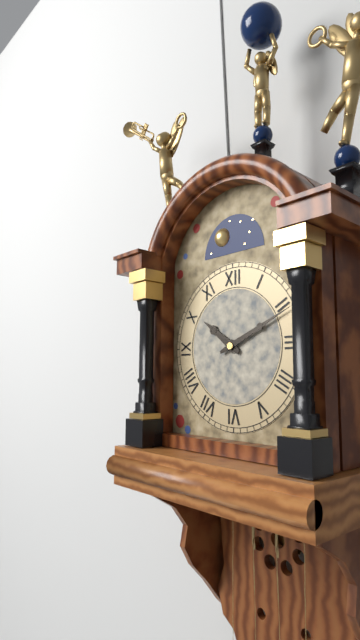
10,11
